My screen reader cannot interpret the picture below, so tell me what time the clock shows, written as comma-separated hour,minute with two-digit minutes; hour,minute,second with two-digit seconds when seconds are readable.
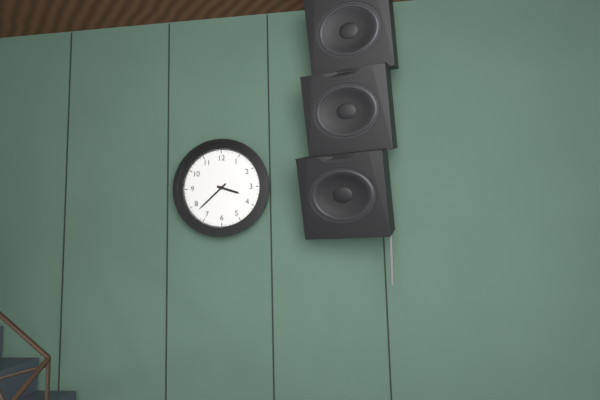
3,38
